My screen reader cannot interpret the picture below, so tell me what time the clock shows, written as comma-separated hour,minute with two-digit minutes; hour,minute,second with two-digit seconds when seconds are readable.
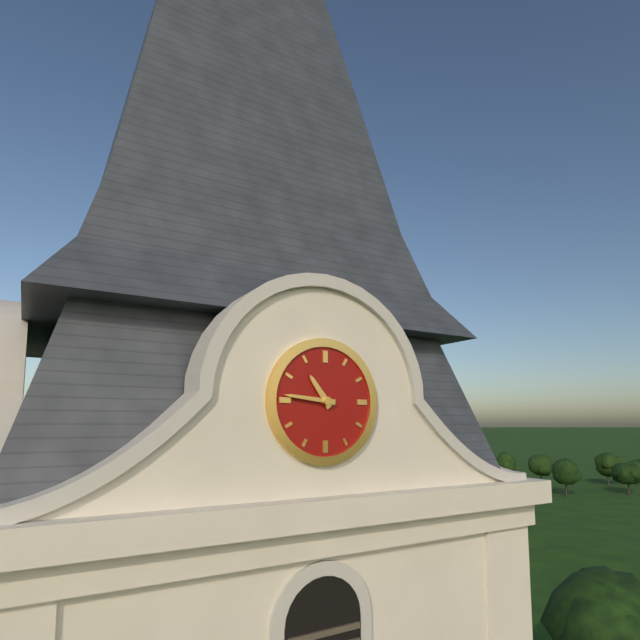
10,46
